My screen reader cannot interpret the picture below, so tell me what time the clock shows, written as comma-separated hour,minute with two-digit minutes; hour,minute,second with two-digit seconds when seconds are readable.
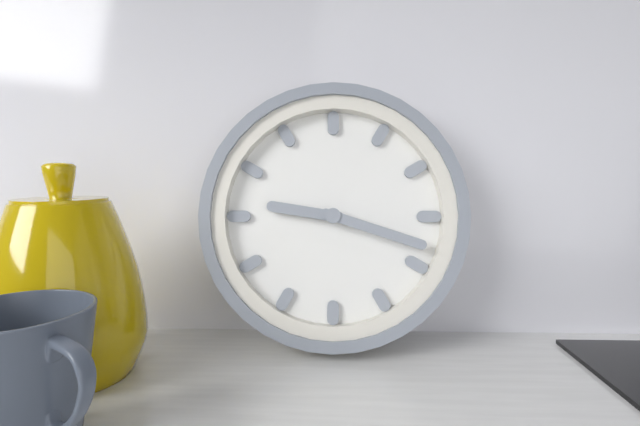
9,18
